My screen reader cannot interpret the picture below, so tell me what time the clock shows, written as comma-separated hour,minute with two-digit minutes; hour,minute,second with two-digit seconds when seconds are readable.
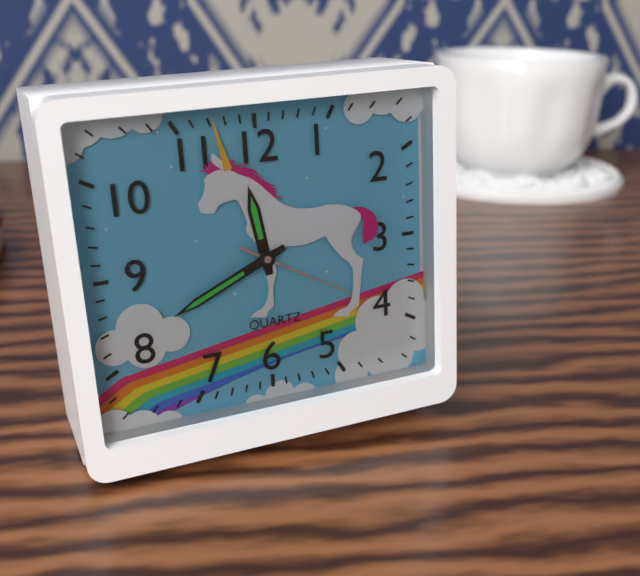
11,41,20
